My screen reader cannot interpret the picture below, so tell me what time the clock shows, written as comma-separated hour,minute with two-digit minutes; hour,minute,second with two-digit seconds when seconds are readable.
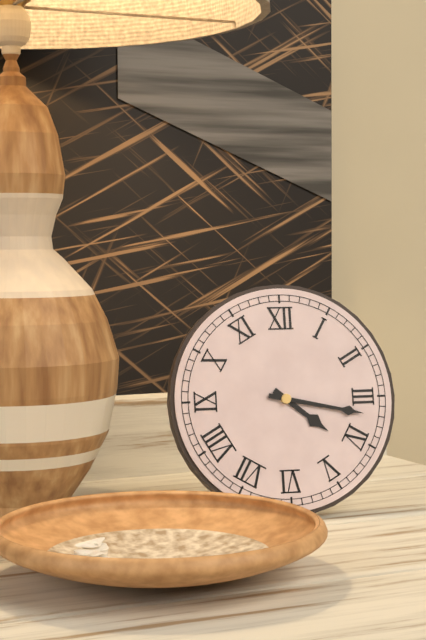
4,17
